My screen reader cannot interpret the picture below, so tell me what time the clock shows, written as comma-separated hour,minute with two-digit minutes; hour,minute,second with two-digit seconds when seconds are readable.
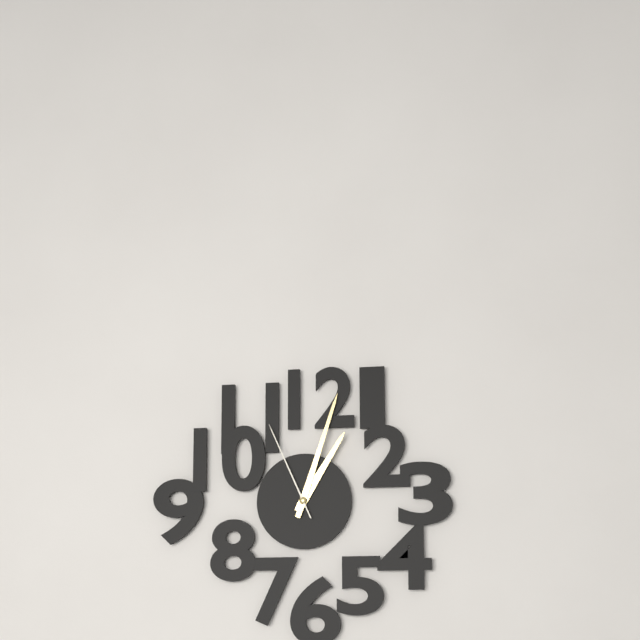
1,03,56
